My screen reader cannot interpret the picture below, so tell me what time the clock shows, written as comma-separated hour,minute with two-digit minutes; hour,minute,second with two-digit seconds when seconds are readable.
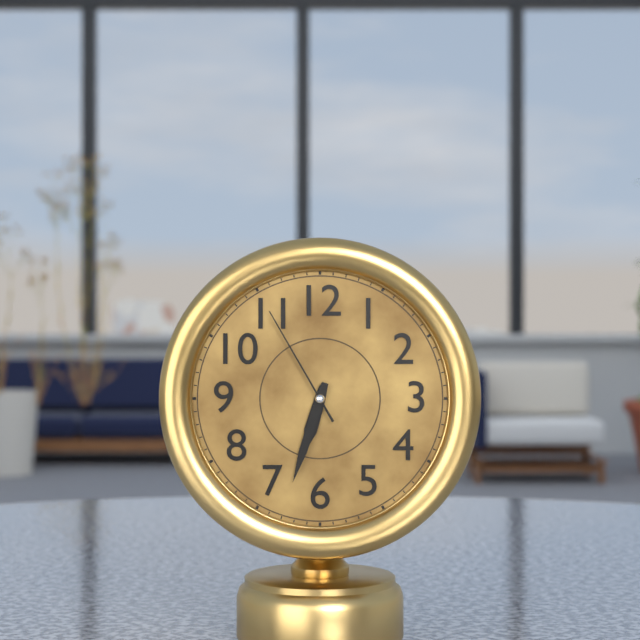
6,33,55
